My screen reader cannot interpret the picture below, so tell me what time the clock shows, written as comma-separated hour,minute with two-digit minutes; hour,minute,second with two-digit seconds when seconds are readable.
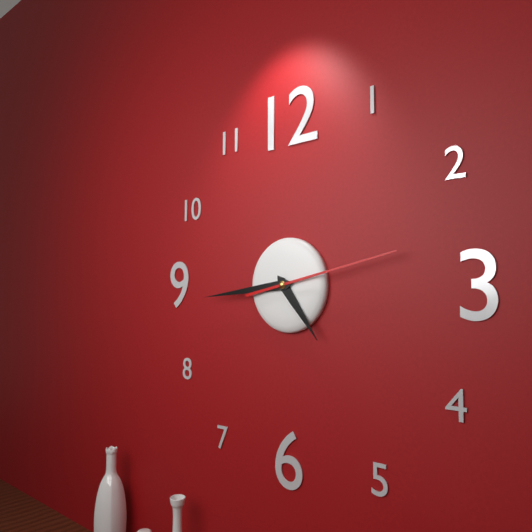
4,44,13
